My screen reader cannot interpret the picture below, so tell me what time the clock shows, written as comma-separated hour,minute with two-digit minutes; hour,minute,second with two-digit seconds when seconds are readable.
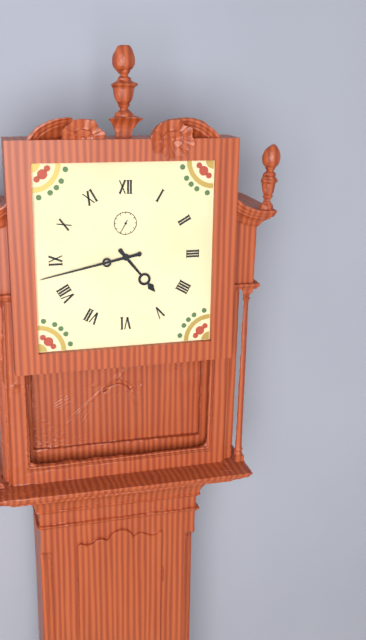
4,43
